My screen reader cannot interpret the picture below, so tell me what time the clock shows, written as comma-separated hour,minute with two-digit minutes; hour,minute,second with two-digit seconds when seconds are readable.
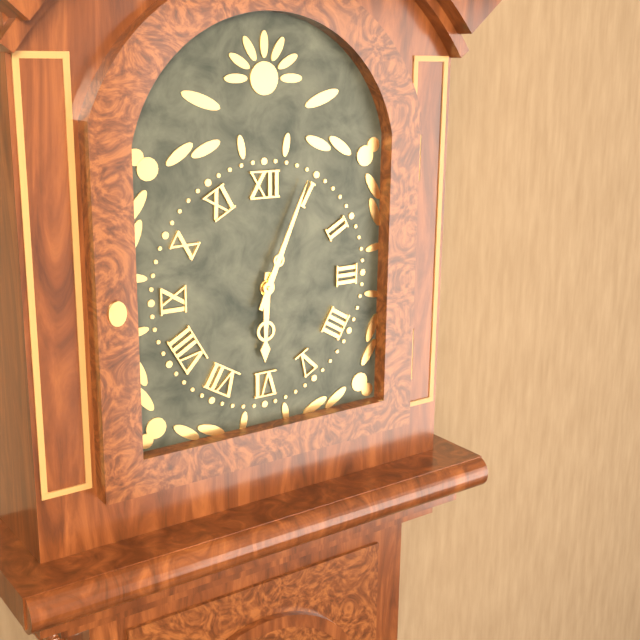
6,04
